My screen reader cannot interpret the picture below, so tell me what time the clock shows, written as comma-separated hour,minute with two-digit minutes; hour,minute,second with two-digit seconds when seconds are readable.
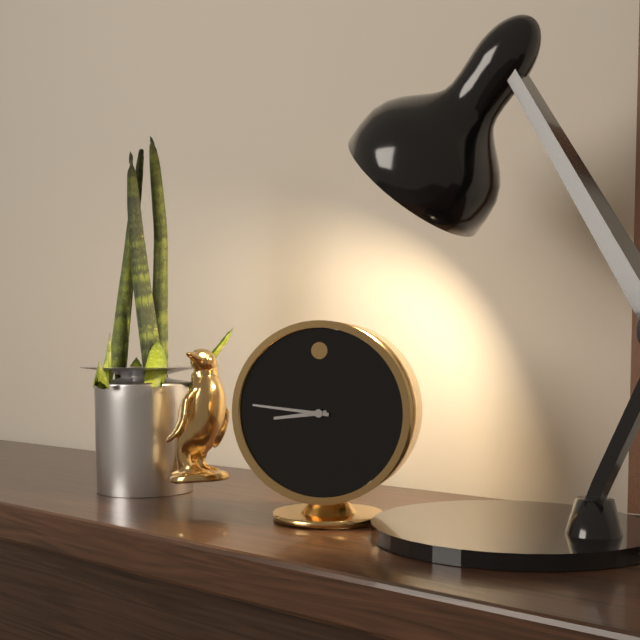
8,46
